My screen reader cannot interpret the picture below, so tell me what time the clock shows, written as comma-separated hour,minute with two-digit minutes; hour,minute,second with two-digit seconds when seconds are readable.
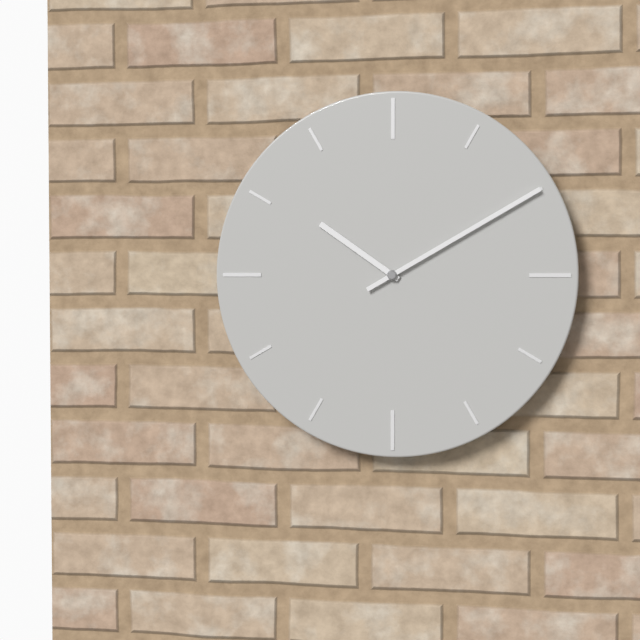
10,10
